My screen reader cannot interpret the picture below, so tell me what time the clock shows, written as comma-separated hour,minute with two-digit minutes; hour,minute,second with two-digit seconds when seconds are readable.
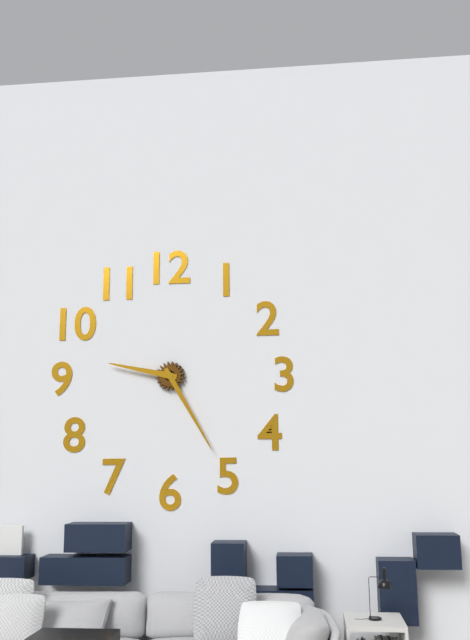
9,25
